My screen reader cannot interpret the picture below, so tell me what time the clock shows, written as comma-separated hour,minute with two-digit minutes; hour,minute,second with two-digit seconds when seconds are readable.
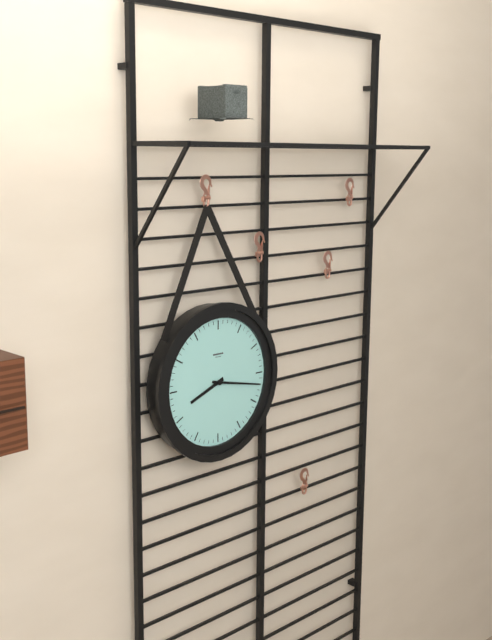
8,17
